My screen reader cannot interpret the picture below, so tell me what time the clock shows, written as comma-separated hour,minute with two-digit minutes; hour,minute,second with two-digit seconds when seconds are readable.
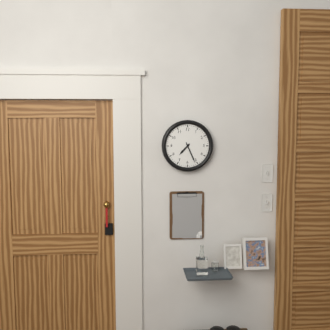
7,26
